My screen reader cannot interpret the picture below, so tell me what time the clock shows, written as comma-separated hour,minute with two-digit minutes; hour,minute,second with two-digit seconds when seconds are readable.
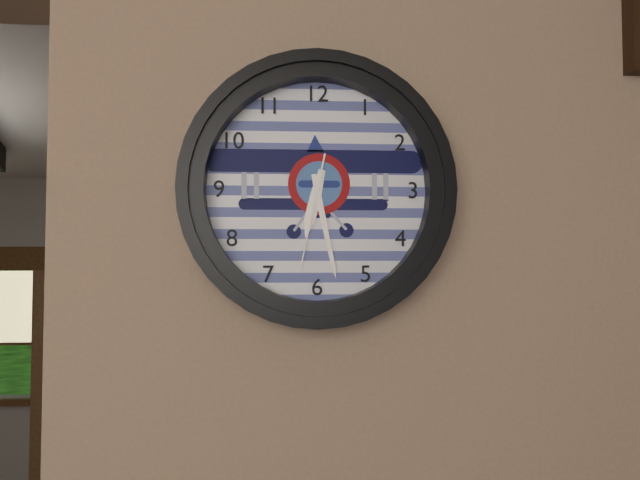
6,28,32
